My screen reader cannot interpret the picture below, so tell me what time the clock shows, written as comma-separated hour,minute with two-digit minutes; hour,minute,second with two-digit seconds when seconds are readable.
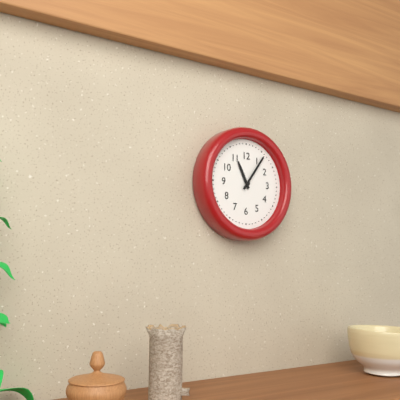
11,06
